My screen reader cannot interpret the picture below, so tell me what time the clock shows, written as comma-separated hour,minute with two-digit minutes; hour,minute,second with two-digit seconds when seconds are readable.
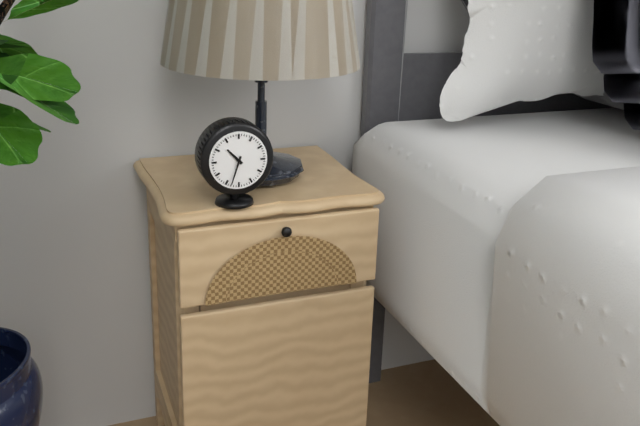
10,33
